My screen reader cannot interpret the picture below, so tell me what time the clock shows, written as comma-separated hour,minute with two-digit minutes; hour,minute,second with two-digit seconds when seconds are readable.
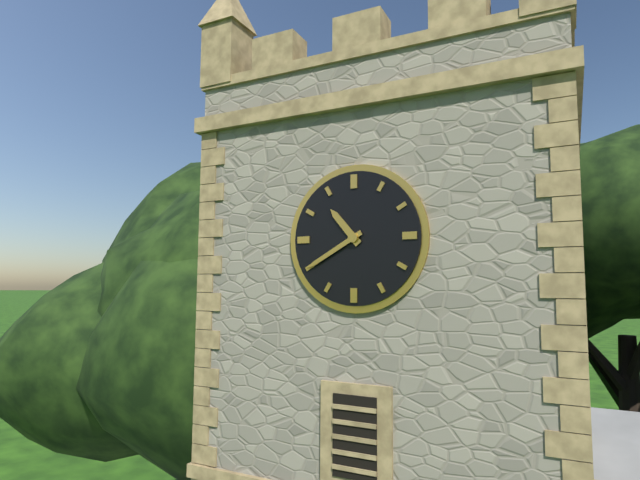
10,40
